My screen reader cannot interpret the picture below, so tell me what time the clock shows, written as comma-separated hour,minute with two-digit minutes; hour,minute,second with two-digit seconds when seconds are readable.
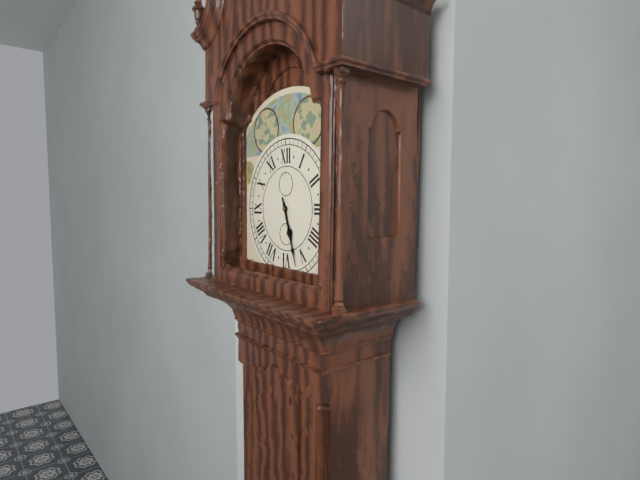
5,27
